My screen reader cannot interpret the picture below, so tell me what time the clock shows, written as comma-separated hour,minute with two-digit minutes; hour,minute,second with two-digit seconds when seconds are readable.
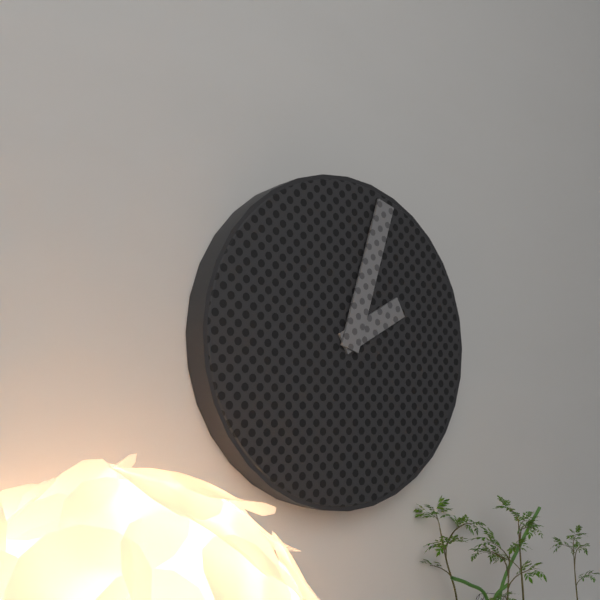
2,03
